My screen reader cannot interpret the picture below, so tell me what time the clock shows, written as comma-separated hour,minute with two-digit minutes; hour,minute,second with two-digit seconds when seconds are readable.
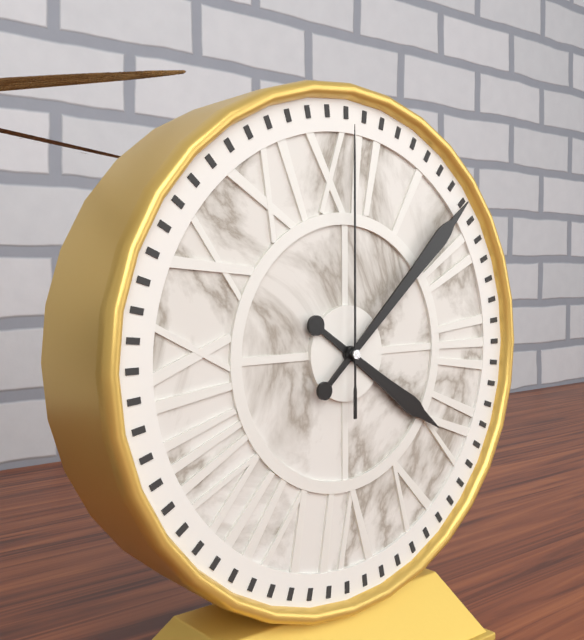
4,08,00
